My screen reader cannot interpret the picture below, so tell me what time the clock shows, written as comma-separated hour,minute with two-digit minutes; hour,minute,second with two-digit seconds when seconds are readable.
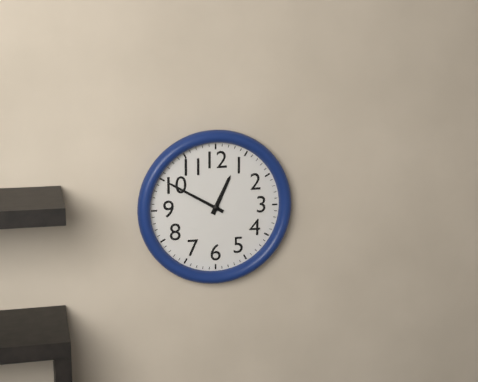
12,50
